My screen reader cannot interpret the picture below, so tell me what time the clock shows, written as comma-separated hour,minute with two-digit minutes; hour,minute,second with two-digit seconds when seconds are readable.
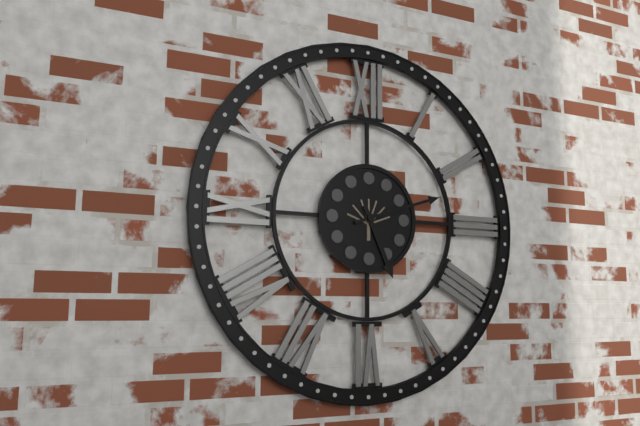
5,12
